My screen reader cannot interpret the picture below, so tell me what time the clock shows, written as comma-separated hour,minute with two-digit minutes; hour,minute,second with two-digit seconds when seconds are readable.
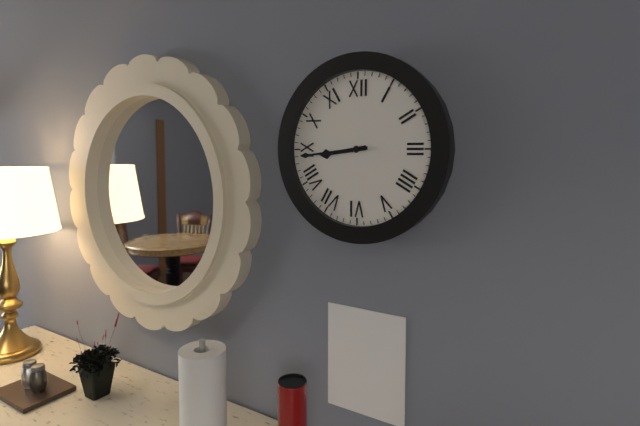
8,44
